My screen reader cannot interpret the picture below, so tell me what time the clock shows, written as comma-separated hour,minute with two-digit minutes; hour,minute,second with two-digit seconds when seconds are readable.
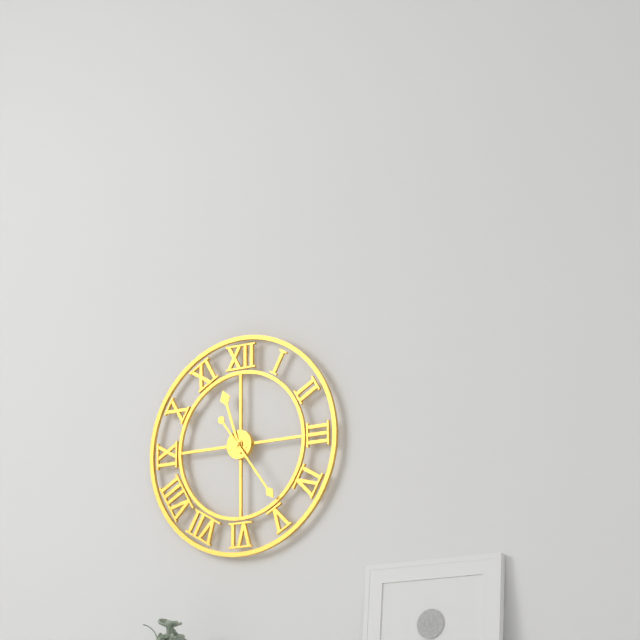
11,24
